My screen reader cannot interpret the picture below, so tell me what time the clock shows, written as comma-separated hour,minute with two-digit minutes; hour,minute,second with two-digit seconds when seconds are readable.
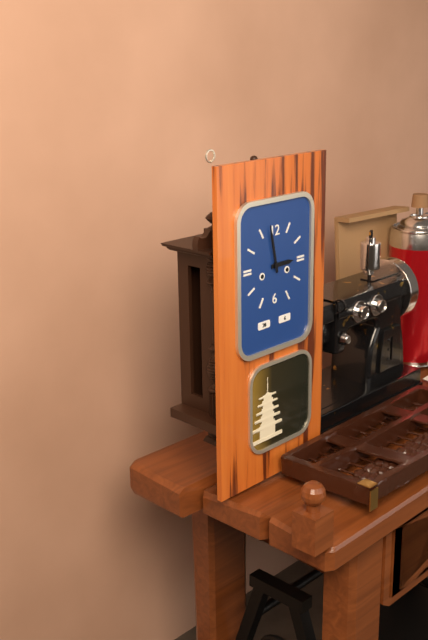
2,58
